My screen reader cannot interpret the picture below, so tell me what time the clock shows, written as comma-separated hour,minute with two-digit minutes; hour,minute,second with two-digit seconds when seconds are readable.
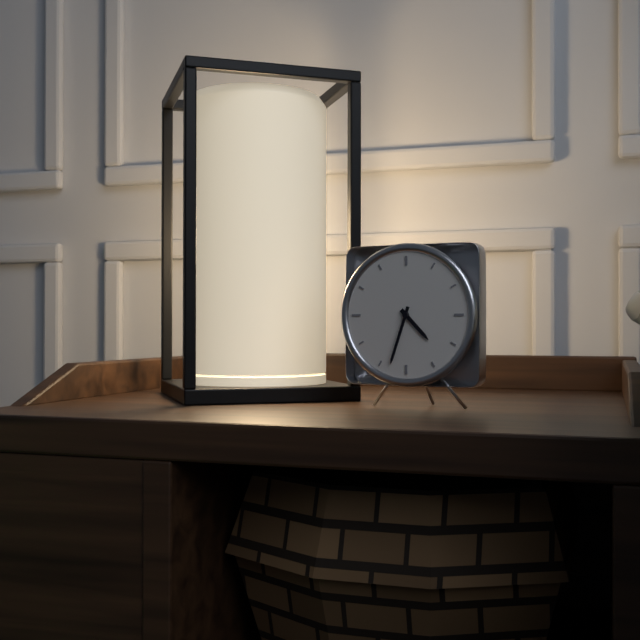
4,33
